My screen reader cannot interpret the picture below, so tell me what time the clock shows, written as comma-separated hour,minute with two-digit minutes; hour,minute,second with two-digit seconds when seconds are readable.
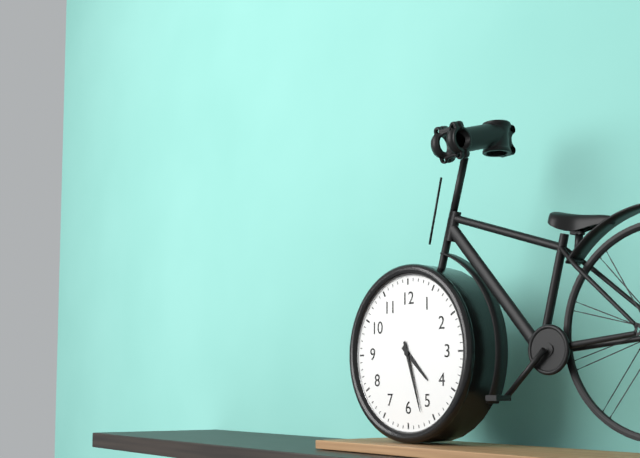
4,27
